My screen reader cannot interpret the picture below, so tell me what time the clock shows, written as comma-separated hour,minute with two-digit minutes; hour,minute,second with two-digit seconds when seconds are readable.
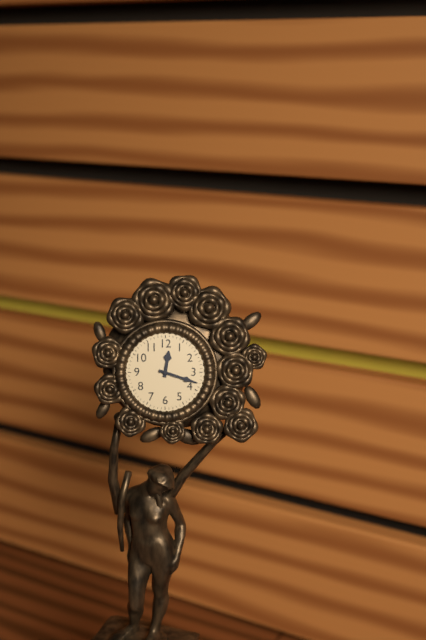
12,18
